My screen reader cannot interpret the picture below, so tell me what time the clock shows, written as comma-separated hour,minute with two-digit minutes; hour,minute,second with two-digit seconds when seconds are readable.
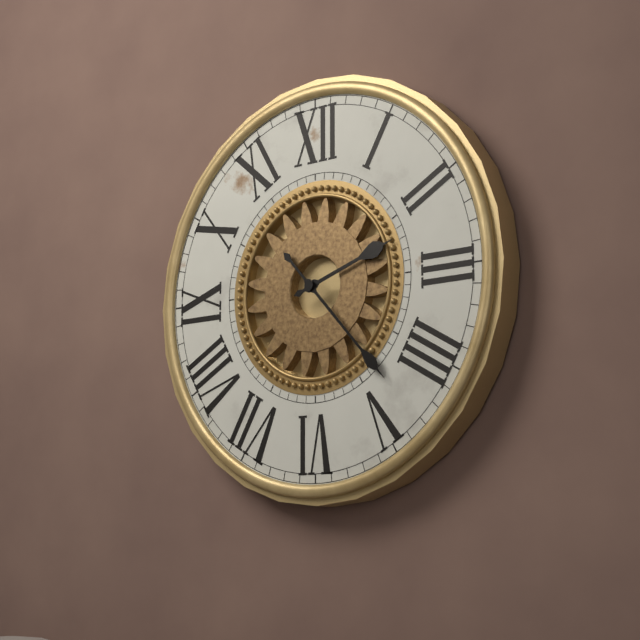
2,23
